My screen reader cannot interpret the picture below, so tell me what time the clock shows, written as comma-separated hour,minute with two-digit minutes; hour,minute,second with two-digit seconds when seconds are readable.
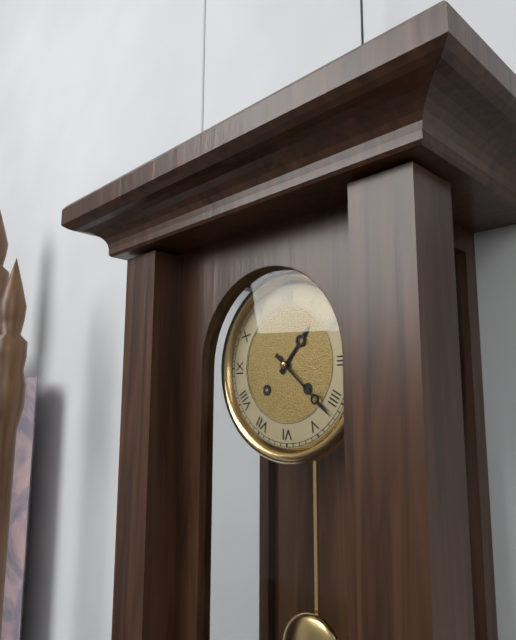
1,22
